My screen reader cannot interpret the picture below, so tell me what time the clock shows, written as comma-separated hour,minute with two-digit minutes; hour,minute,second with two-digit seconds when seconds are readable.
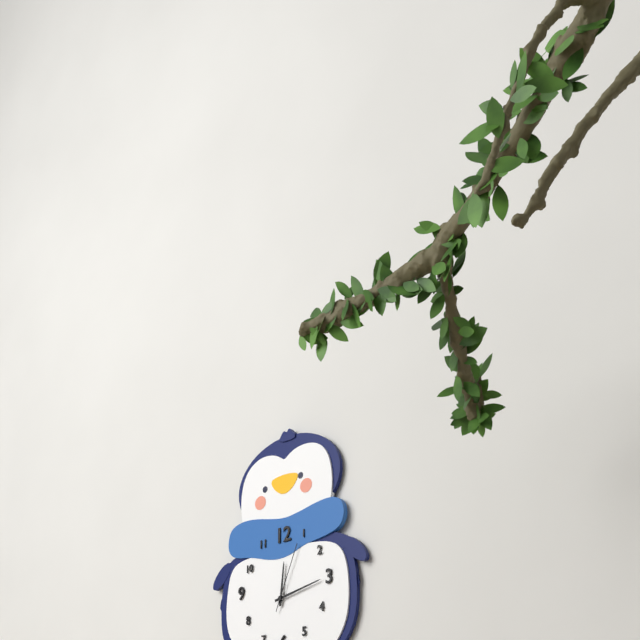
12,13,04
